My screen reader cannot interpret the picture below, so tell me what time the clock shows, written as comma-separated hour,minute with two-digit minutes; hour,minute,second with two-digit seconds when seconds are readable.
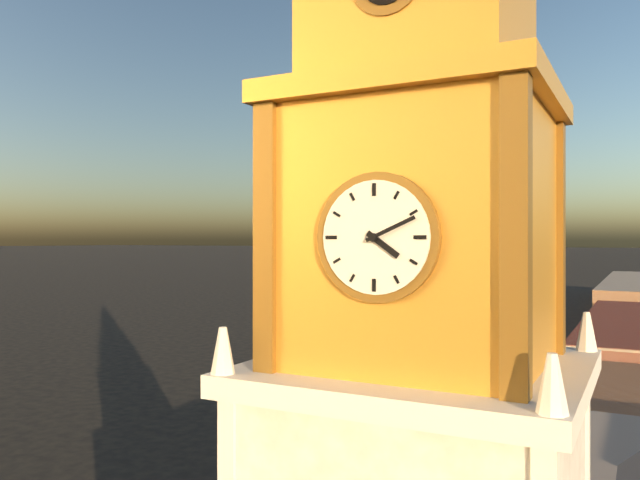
4,11
